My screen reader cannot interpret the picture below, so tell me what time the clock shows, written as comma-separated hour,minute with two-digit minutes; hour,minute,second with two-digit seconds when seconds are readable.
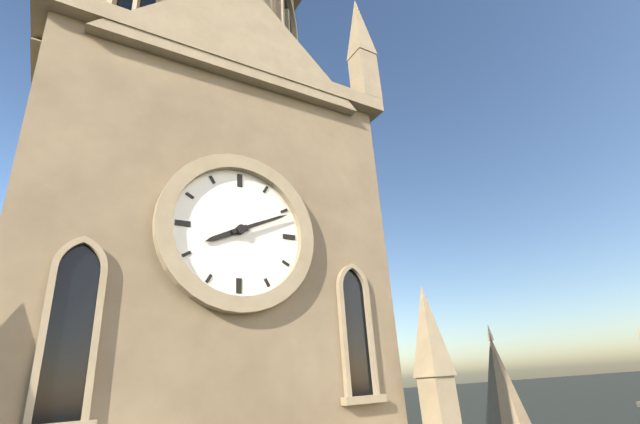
8,11
